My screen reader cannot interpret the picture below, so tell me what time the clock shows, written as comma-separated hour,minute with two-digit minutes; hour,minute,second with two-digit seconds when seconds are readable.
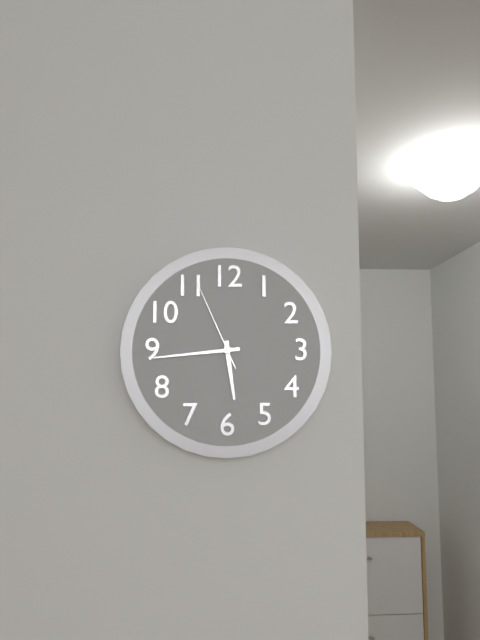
5,44,56
